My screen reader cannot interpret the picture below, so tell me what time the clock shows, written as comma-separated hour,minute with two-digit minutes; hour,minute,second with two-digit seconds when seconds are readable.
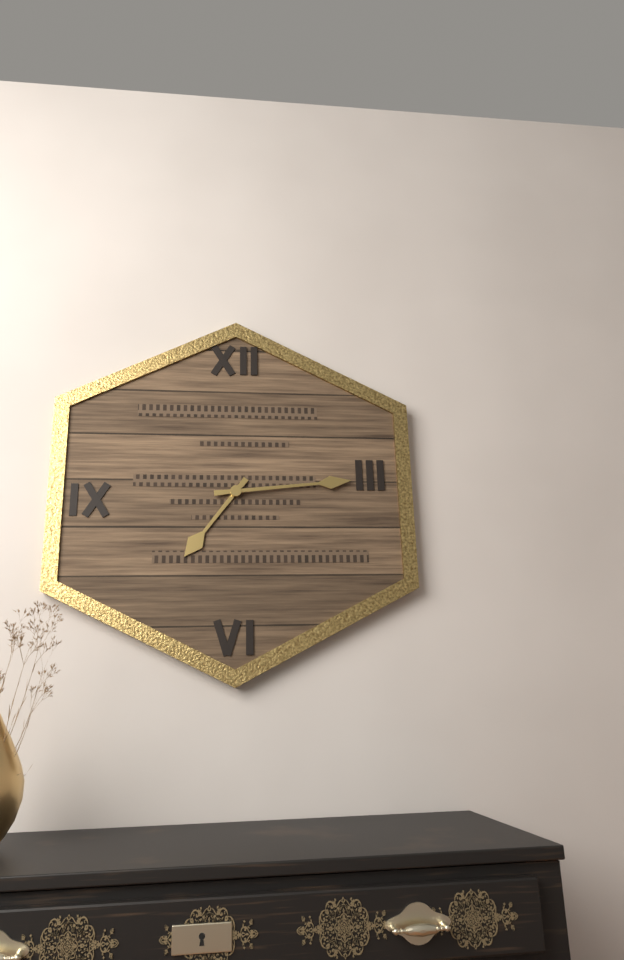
7,14
